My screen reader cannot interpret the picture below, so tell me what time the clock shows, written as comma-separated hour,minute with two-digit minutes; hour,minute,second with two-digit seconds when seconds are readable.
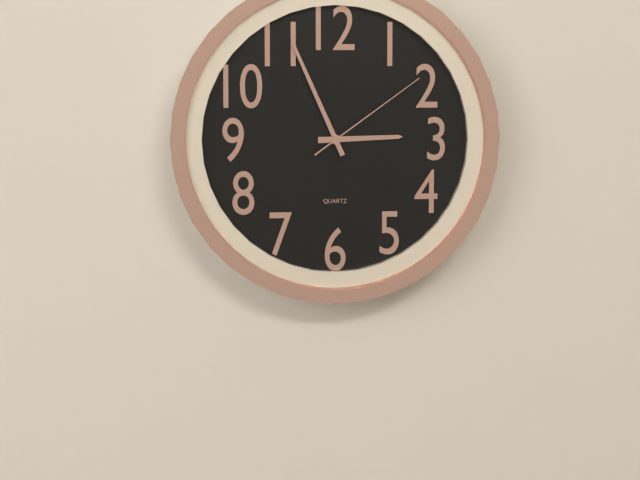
2,56,09
